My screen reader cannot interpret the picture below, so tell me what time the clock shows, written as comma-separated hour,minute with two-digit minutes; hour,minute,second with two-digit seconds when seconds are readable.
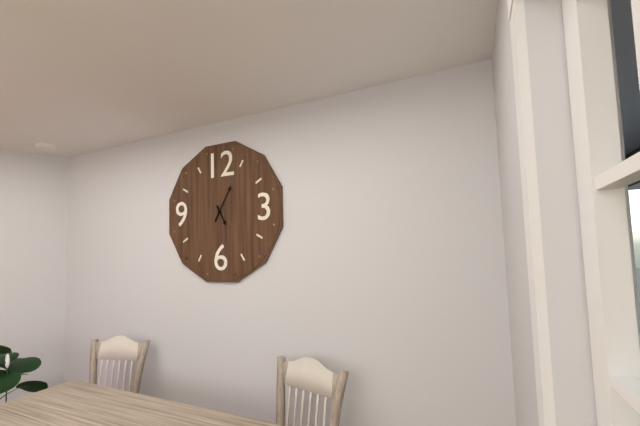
5,05
